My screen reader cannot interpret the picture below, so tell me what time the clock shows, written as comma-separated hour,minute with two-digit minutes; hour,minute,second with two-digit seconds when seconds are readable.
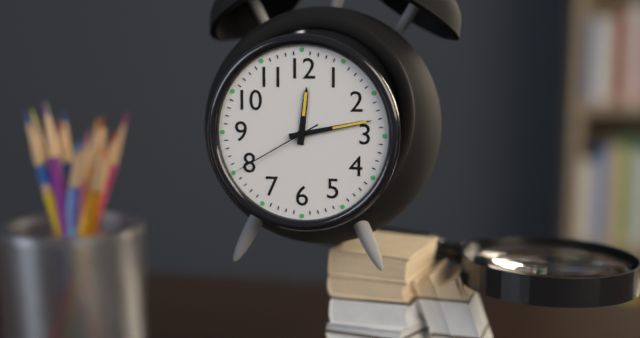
12,13,40
